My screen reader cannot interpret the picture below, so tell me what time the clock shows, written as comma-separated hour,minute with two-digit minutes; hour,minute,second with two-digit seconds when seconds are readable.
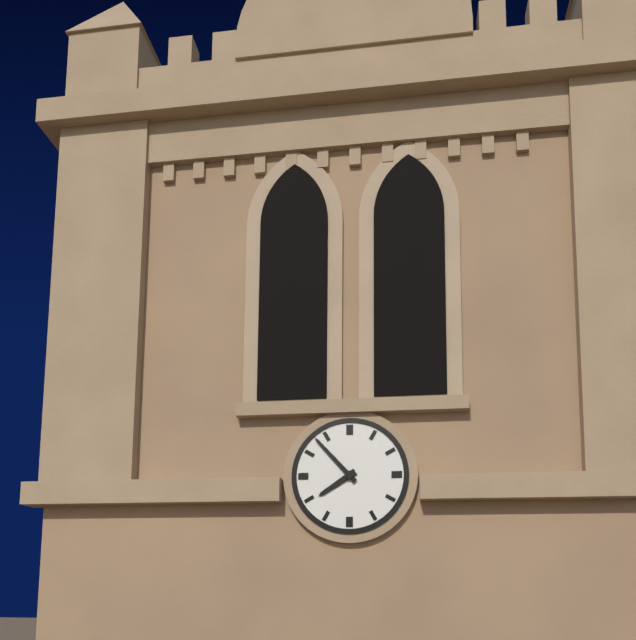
7,53
